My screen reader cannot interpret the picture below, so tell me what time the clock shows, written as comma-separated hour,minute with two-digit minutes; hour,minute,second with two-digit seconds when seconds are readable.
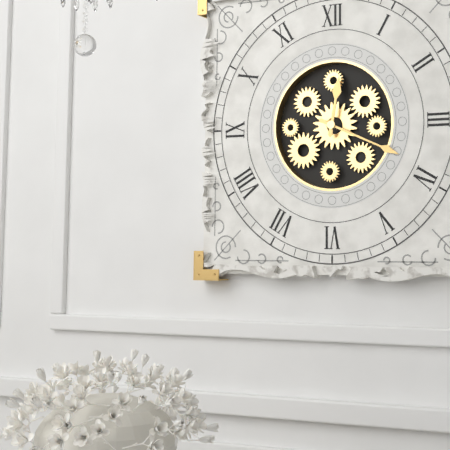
12,19
